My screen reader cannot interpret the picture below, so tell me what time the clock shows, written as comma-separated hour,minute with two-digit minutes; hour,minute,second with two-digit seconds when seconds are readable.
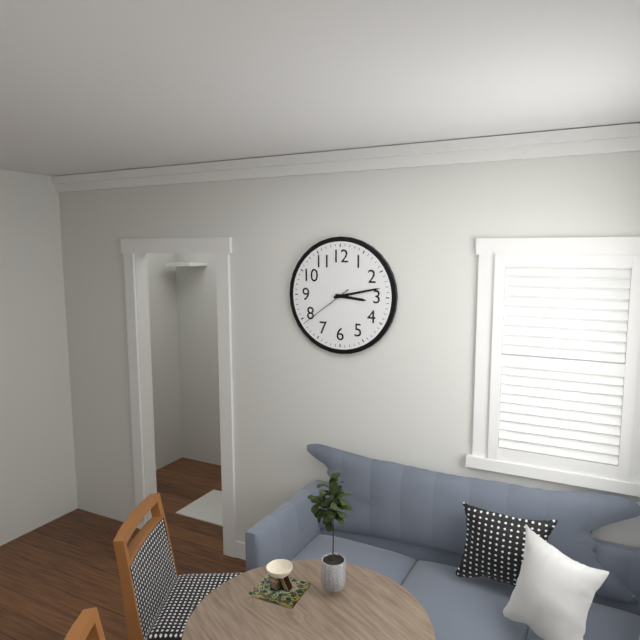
3,13,39
